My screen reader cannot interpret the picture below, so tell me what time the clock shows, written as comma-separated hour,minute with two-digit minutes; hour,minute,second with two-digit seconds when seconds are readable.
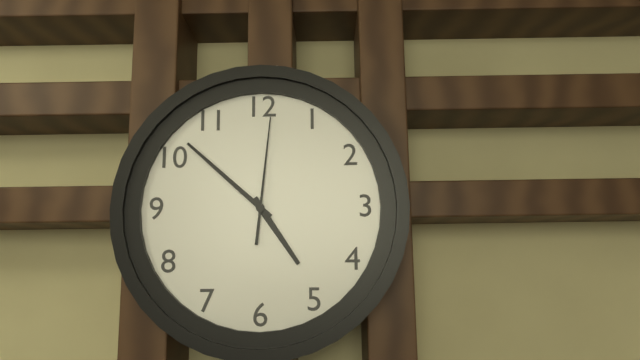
4,52,01
